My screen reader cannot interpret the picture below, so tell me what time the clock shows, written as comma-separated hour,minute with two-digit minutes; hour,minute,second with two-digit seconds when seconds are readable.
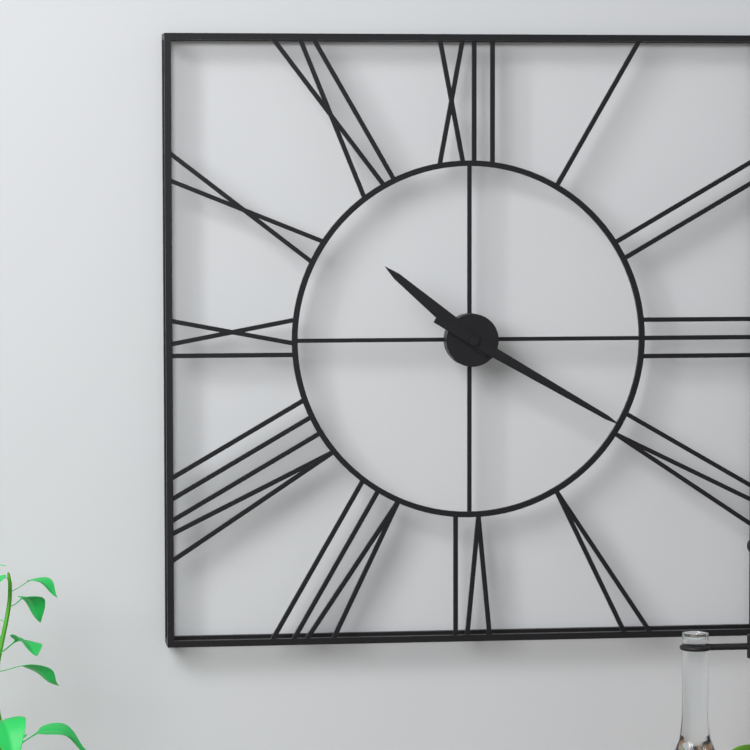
10,20
